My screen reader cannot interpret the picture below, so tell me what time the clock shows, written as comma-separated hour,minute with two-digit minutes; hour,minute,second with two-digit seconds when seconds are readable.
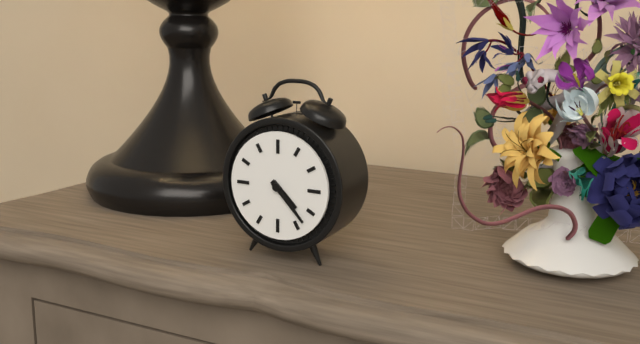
4,23
